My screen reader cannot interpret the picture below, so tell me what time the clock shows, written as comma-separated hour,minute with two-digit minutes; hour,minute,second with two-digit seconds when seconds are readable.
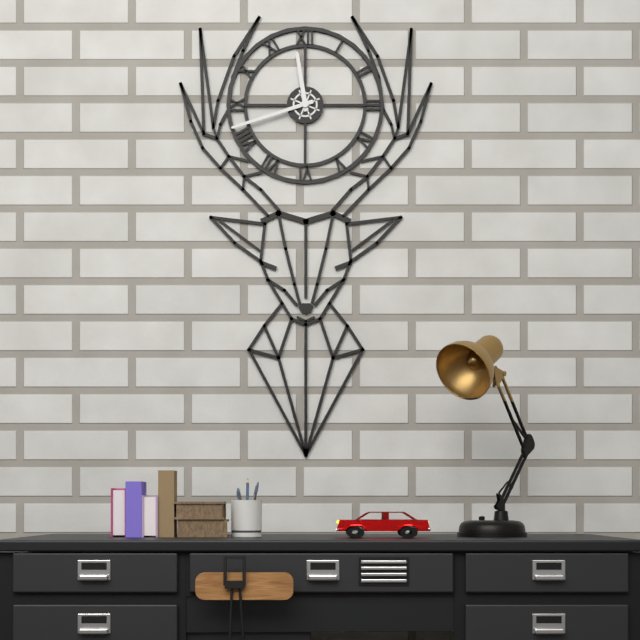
11,42
